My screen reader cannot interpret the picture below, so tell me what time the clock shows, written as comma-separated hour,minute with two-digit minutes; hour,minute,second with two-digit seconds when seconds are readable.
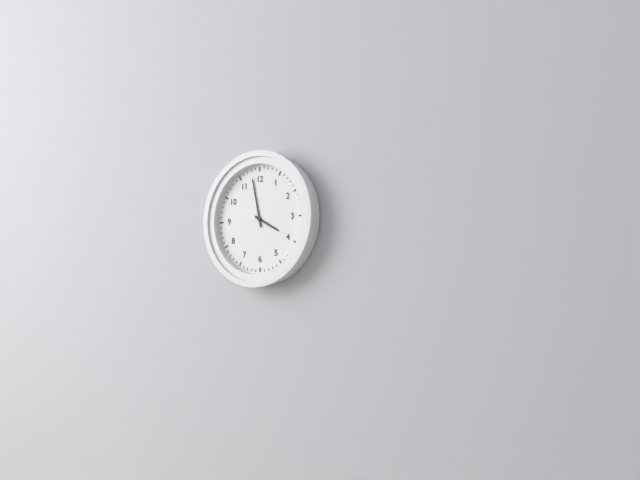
3,58
